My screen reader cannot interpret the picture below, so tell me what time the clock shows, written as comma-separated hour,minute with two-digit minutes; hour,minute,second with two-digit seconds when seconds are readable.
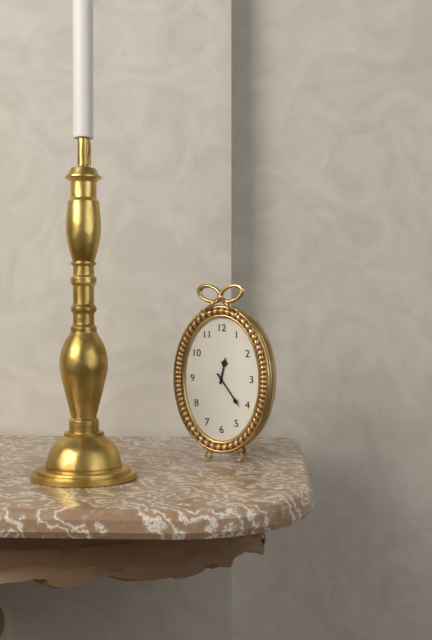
12,24
